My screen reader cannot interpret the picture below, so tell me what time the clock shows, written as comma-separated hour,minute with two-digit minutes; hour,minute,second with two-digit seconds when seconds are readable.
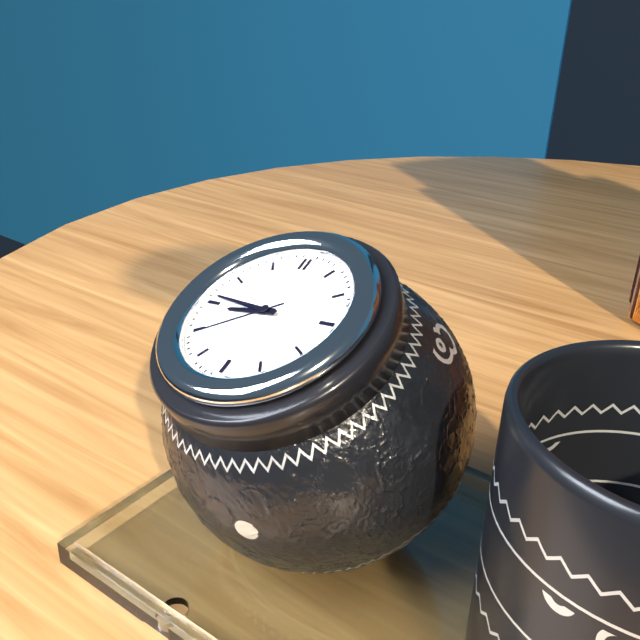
8,46,39
